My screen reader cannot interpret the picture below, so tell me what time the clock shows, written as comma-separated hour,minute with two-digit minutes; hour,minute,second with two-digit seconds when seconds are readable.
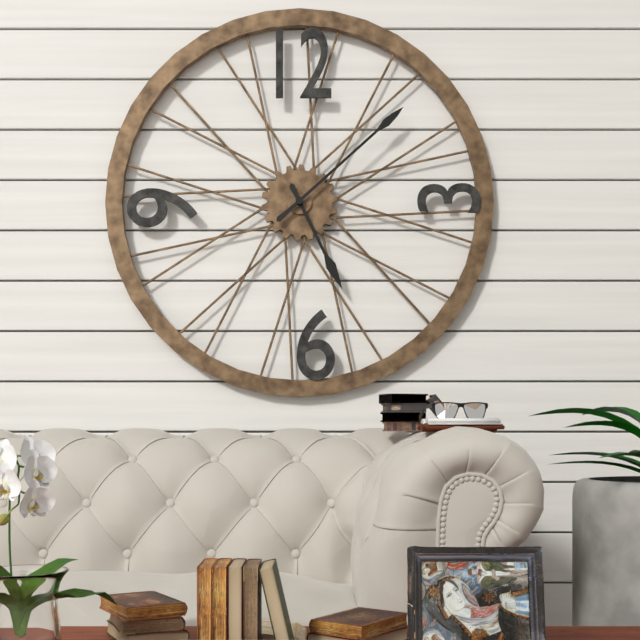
5,08
